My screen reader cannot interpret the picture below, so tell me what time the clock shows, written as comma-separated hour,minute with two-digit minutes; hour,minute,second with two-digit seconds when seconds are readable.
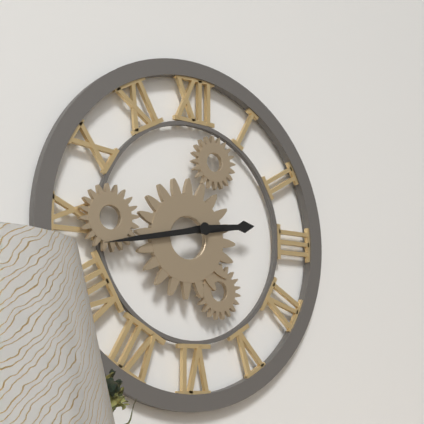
2,43
